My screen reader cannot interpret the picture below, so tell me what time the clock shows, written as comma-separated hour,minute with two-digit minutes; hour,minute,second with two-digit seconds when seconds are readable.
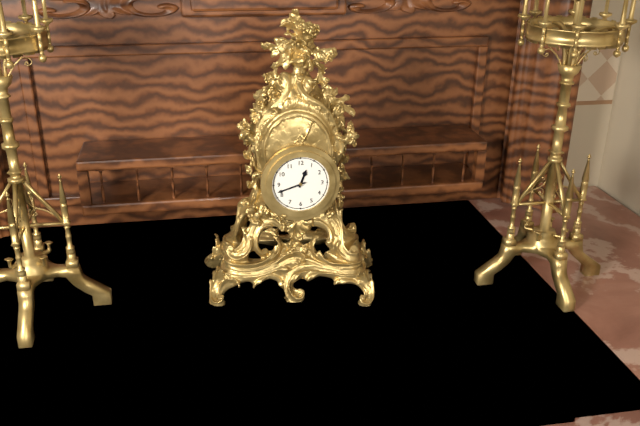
12,42
